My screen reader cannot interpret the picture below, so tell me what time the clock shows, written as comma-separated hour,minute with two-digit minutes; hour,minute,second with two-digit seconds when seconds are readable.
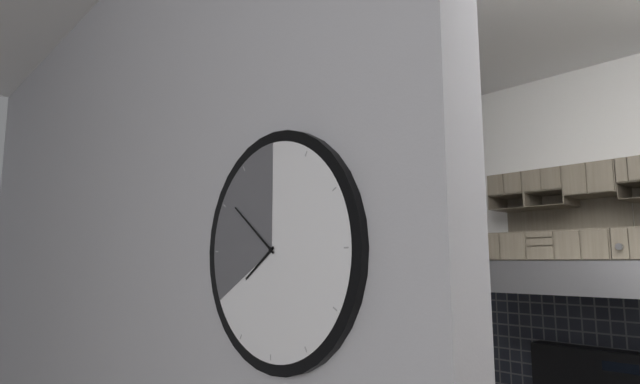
7,51
